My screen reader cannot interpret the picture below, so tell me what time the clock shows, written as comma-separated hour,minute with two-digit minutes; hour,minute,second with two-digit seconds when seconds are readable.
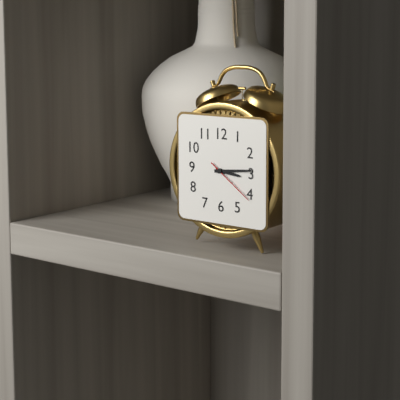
3,14,21
